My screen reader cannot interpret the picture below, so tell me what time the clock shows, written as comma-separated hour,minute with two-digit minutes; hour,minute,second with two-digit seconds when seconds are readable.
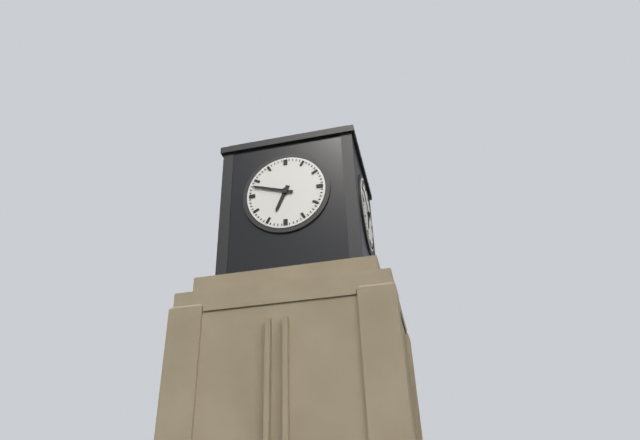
6,48
